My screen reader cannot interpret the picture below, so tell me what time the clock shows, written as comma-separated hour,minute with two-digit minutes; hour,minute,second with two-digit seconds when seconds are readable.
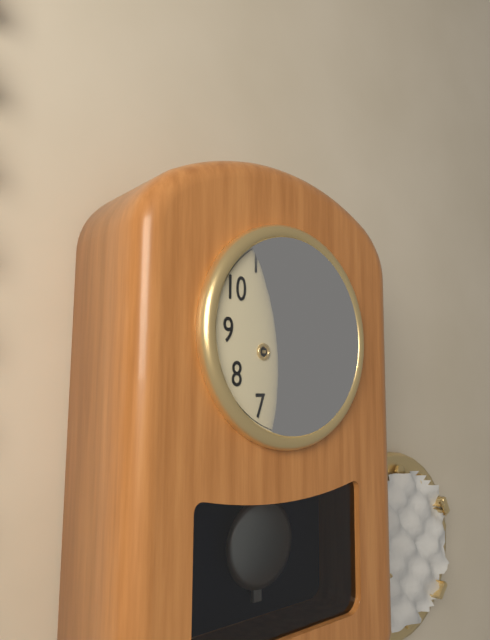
3,16
